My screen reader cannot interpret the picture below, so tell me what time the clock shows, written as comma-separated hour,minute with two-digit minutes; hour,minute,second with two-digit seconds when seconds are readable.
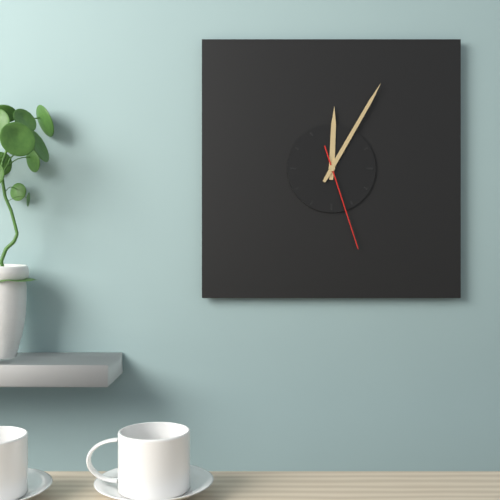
12,05,27
